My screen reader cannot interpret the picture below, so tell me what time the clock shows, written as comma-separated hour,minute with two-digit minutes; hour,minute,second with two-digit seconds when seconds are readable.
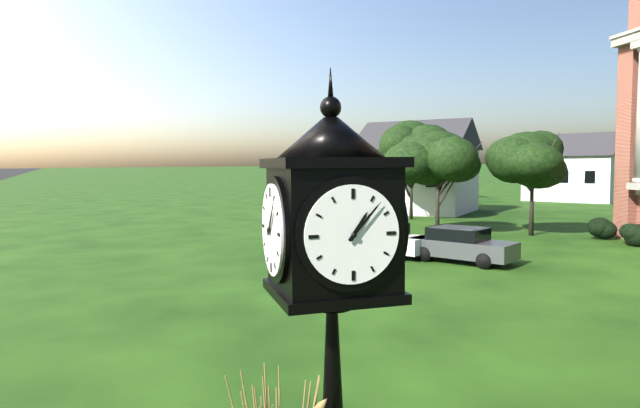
1,07
